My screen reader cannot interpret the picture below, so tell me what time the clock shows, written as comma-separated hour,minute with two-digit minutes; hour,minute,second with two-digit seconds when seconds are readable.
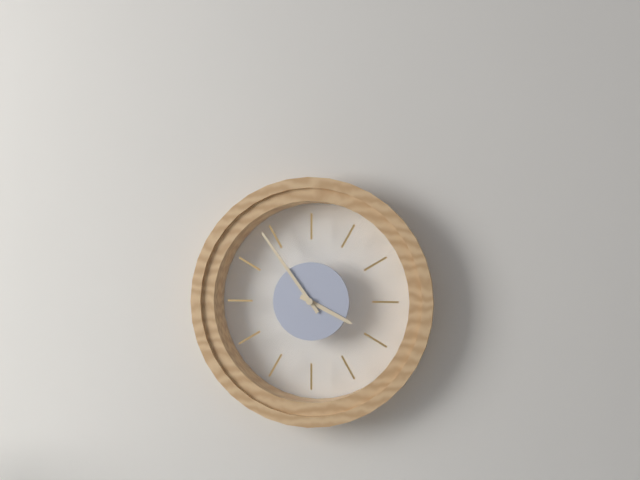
3,54
